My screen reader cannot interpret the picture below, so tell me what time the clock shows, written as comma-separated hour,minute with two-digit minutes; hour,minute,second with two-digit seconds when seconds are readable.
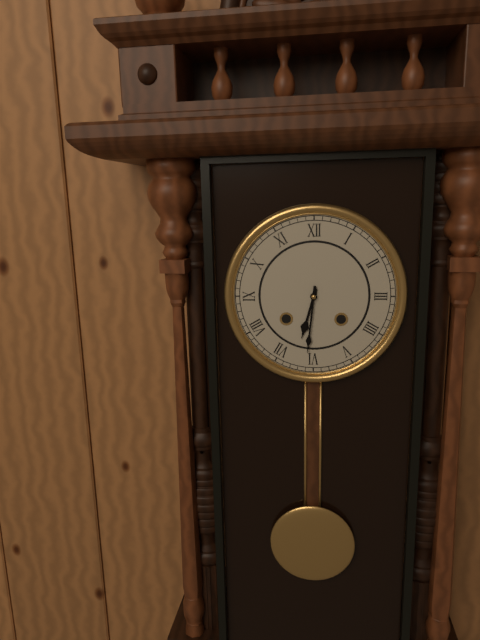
6,31
